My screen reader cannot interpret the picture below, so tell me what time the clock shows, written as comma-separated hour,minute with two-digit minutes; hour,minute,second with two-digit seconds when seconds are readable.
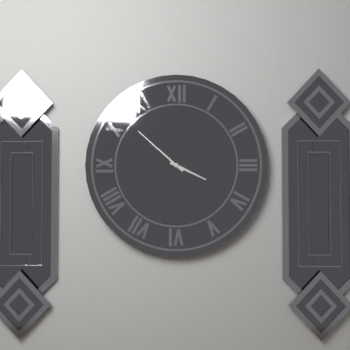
3,52
